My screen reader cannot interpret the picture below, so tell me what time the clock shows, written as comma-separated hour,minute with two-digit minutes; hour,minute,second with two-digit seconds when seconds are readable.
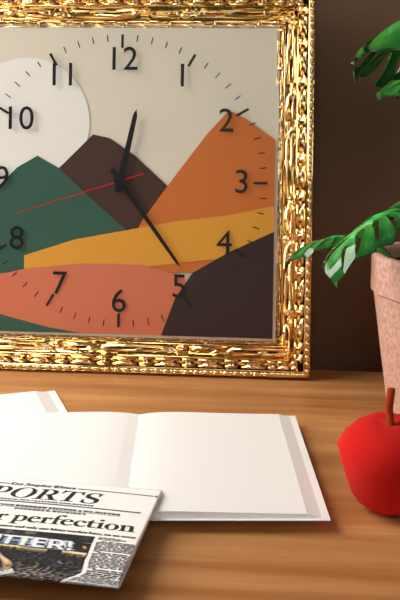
12,24,42
